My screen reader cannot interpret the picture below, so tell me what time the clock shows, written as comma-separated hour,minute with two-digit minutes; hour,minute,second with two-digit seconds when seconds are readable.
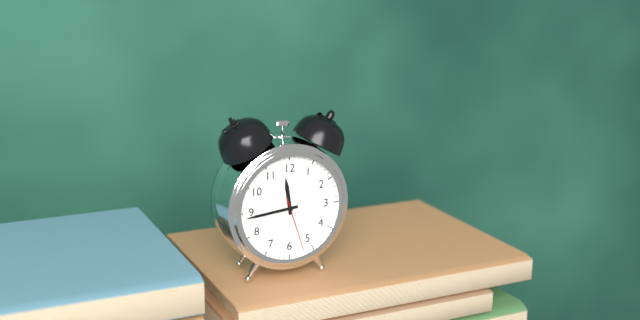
11,44,27
